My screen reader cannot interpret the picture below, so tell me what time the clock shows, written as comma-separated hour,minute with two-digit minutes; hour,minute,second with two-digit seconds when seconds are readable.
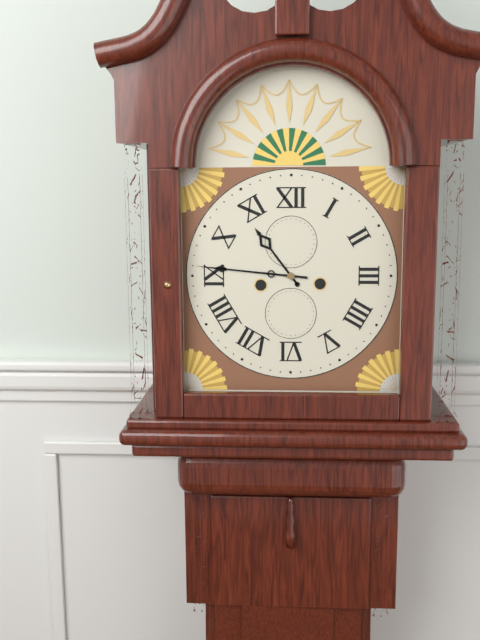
10,46
